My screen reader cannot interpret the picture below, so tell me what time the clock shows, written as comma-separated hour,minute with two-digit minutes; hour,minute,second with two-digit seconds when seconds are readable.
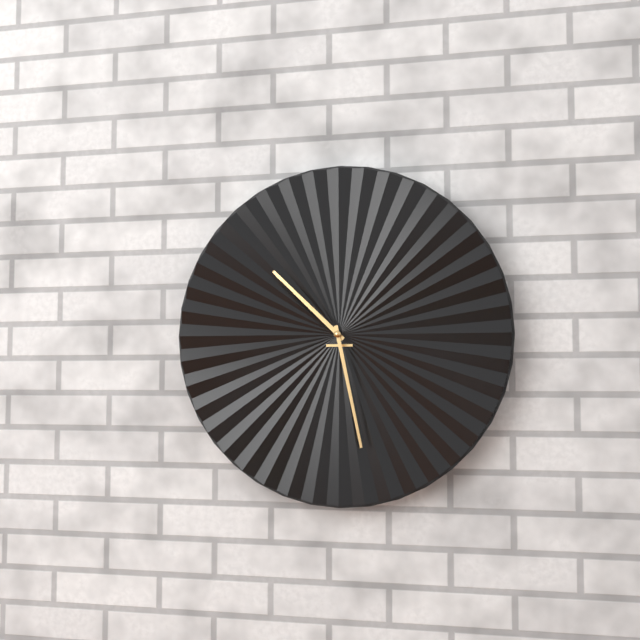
10,28
